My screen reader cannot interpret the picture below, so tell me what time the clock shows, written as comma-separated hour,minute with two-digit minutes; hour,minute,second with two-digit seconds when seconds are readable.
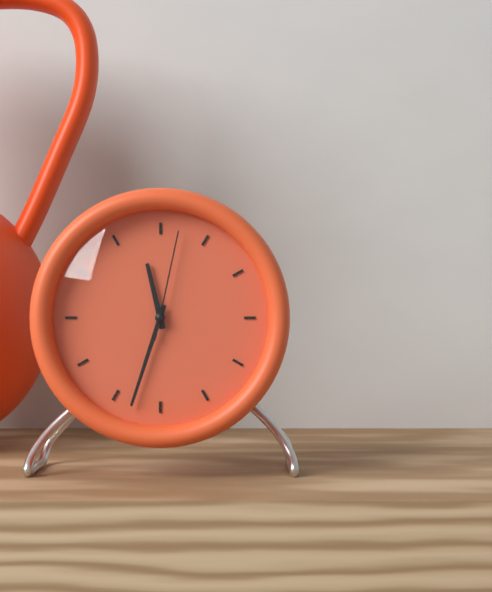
11,33,02
